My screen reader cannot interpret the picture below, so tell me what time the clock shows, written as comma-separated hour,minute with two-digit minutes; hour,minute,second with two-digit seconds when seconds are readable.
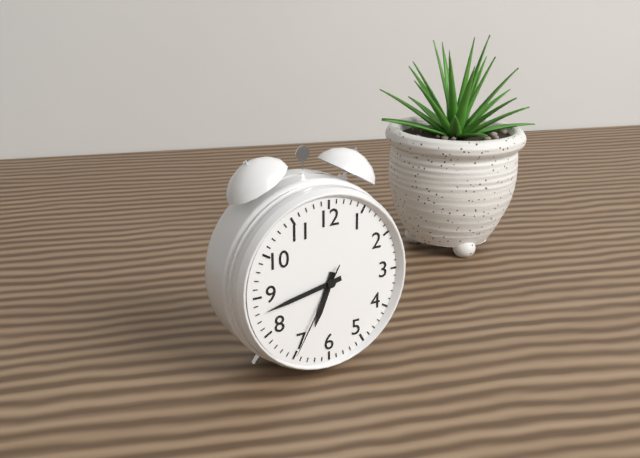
6,43,35
